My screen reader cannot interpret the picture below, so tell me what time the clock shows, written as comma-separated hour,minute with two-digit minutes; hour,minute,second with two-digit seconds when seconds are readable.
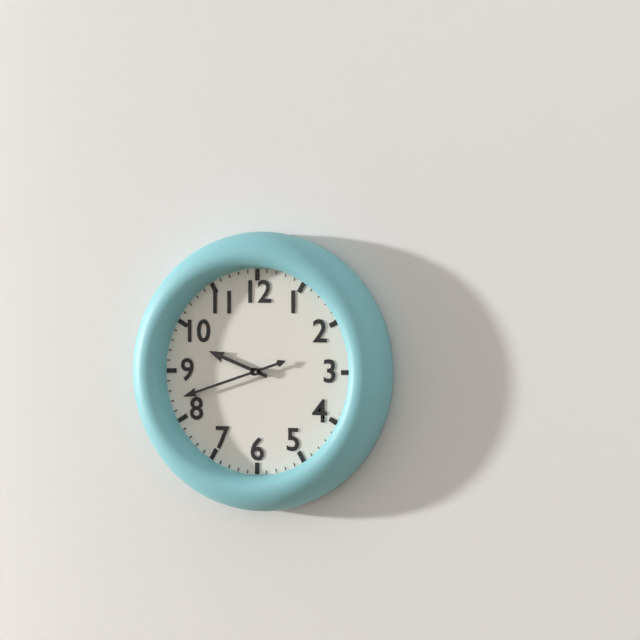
9,42
